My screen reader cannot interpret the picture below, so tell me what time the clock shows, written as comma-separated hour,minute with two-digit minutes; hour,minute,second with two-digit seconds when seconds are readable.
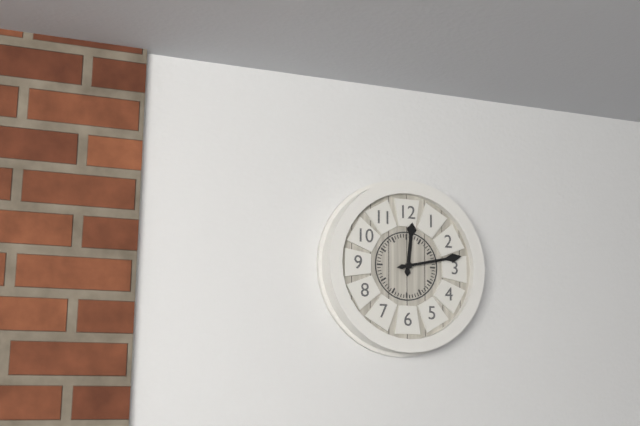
12,13
